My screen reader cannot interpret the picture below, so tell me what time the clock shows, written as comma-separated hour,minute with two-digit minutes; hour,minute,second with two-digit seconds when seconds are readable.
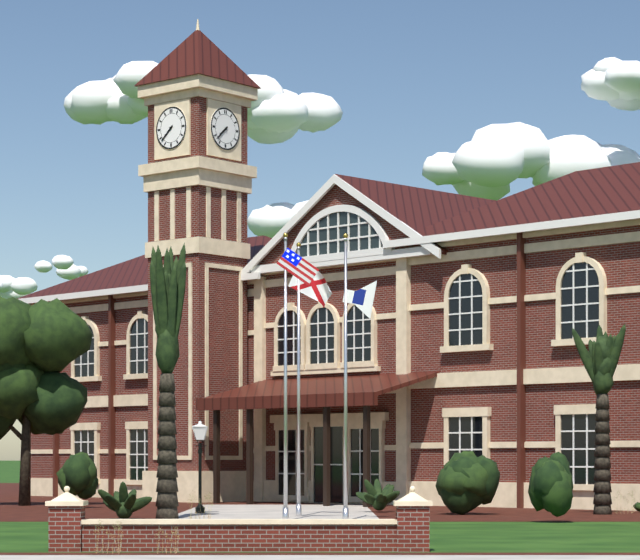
7,38
